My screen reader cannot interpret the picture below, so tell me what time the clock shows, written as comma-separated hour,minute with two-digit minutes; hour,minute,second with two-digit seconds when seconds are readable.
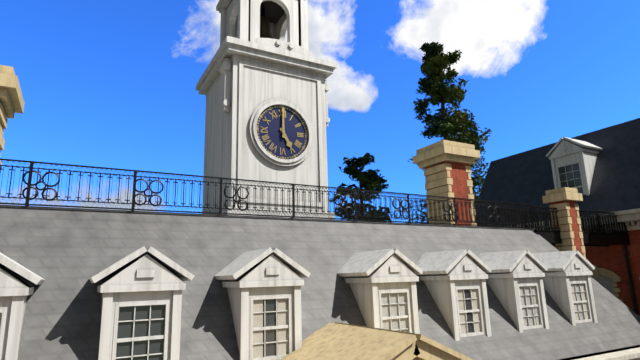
5,00
